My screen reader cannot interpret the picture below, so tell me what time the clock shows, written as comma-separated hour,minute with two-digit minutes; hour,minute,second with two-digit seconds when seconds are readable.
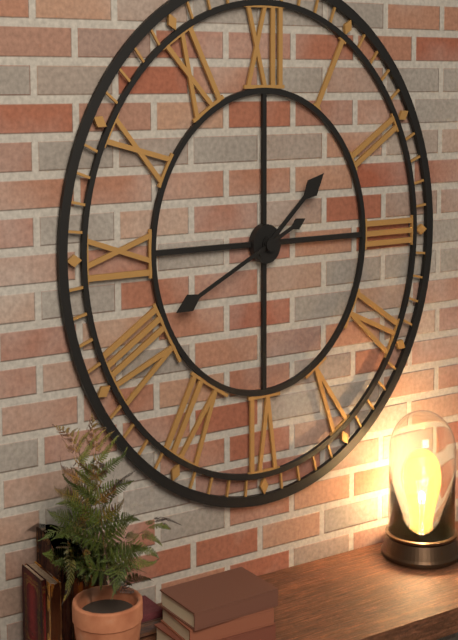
1,41
